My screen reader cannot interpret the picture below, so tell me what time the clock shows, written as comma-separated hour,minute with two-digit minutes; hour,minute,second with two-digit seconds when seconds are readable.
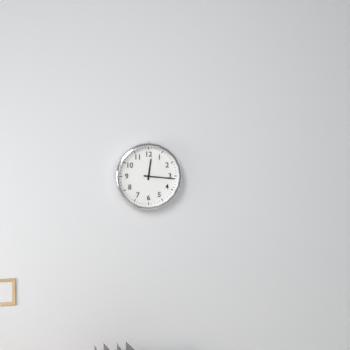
12,16
